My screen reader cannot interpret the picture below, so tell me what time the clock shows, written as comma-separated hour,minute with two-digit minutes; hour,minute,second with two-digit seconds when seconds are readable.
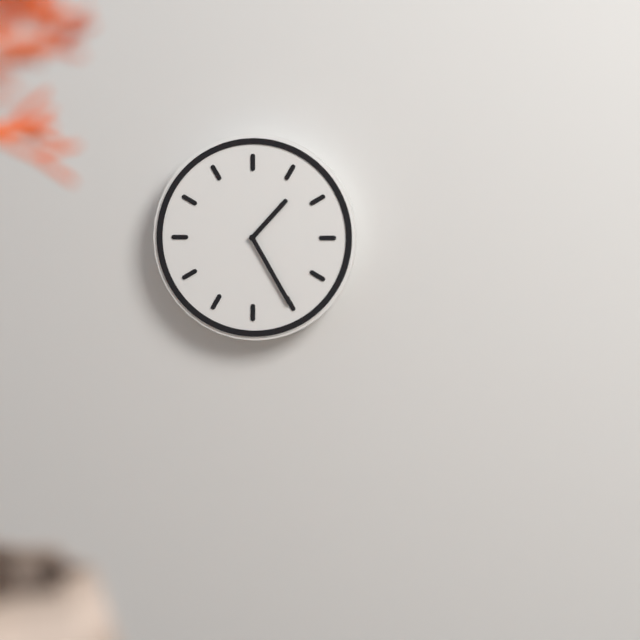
1,25
